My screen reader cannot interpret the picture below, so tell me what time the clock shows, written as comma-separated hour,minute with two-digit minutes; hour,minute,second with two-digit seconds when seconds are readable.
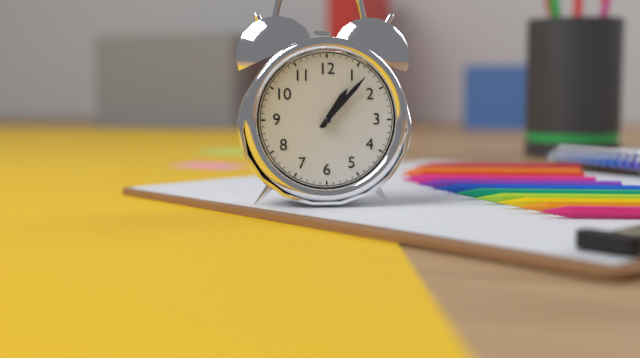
1,07
